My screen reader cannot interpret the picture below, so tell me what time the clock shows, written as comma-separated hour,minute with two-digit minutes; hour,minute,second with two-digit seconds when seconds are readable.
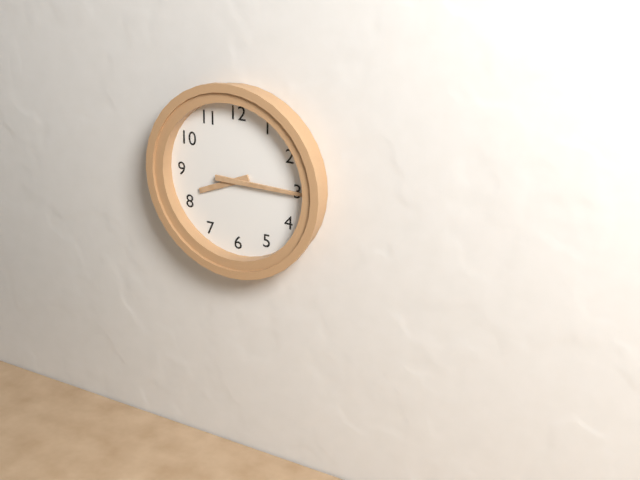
8,15
